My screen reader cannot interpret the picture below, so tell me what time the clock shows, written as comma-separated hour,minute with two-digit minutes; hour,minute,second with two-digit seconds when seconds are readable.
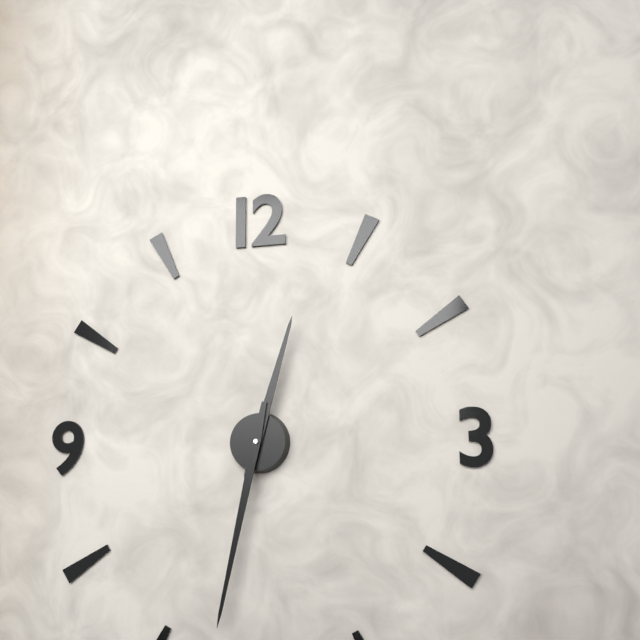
12,32
